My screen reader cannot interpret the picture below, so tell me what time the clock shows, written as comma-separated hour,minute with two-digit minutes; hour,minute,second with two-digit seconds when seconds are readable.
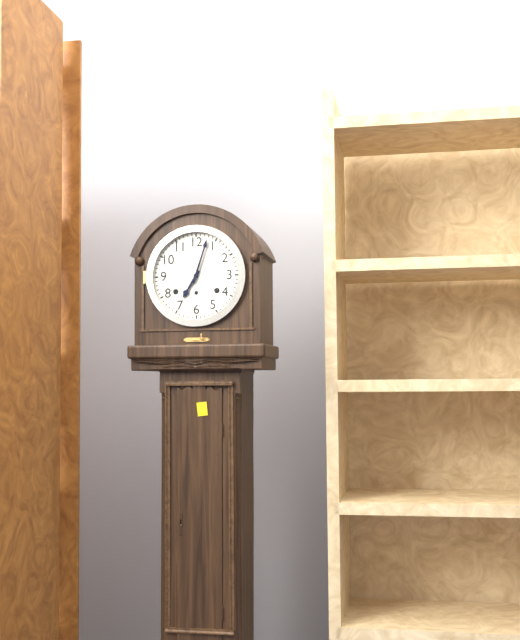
7,03
